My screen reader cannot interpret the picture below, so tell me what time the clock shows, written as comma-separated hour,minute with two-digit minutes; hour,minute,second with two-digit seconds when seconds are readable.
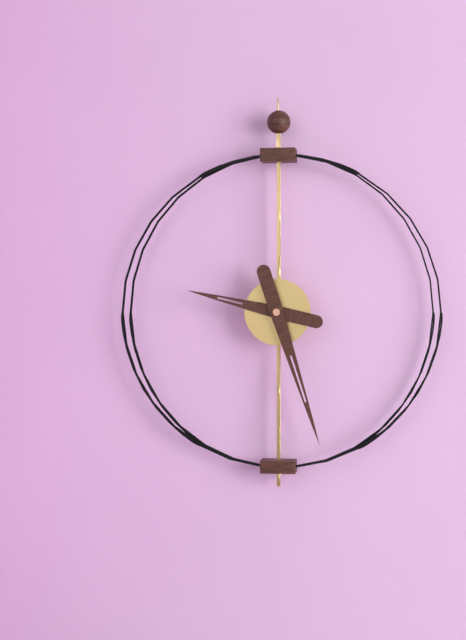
9,27
